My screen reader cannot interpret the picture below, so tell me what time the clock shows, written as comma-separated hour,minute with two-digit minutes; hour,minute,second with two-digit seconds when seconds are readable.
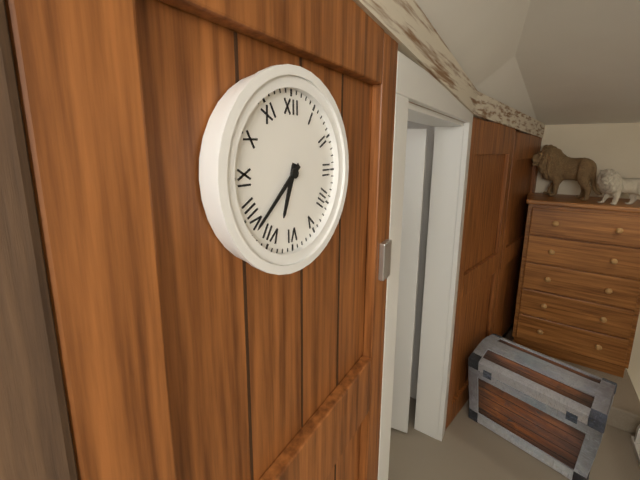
6,38
